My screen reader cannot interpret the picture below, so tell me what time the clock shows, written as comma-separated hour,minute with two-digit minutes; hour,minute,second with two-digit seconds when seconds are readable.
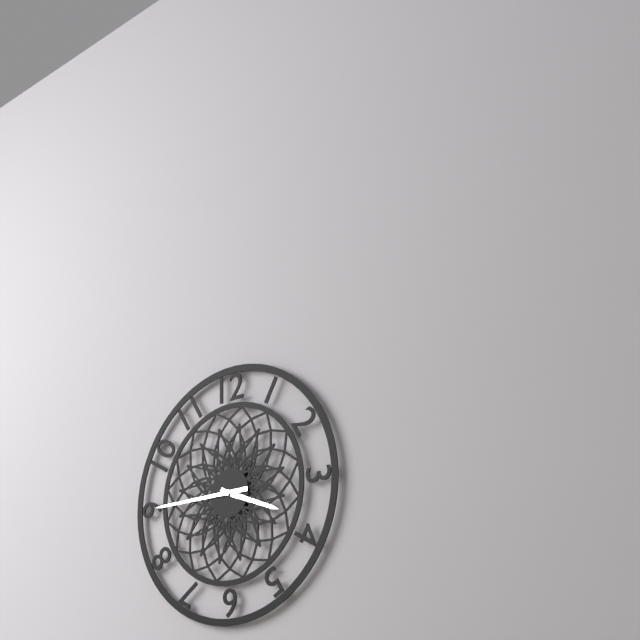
3,45
